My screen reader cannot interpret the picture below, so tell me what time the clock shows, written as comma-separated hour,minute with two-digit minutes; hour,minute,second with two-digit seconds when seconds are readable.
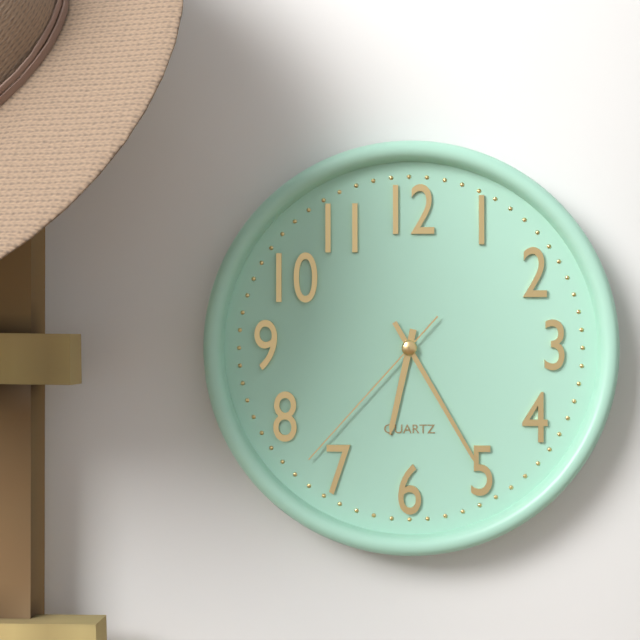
6,25,37
